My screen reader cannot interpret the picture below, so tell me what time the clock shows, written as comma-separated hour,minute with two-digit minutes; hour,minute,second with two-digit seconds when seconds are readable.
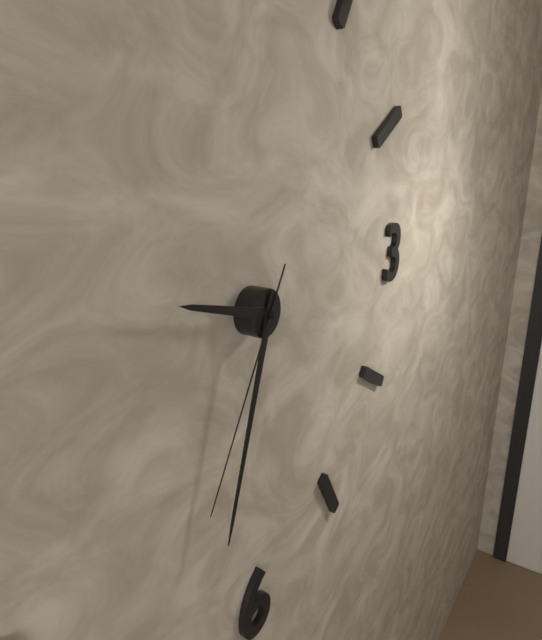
9,33,35
